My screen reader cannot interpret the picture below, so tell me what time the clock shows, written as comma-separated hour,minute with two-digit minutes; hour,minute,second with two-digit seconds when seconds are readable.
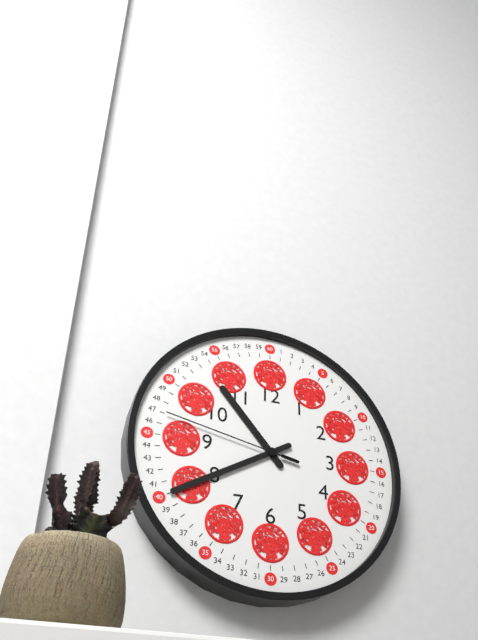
10,40,47
